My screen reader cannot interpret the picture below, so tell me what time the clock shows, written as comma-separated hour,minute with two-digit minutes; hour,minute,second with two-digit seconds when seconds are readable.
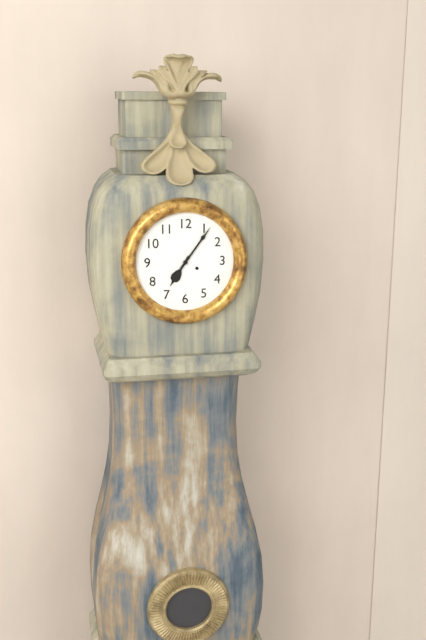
7,06
